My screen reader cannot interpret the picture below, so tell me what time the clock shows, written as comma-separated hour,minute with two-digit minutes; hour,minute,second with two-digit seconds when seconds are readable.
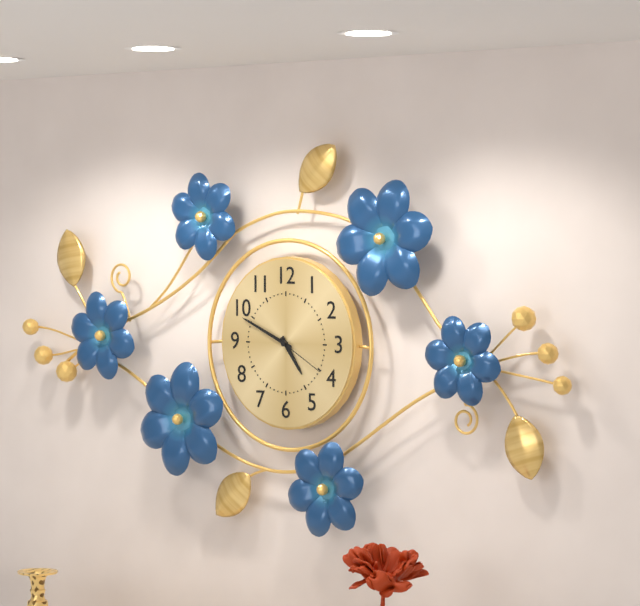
4,49,20
